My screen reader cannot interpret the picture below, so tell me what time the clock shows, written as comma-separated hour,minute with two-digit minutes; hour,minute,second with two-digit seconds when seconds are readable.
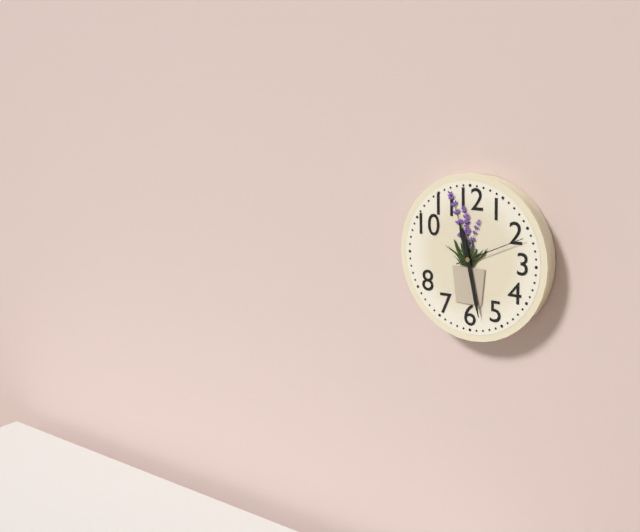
11,28,11
